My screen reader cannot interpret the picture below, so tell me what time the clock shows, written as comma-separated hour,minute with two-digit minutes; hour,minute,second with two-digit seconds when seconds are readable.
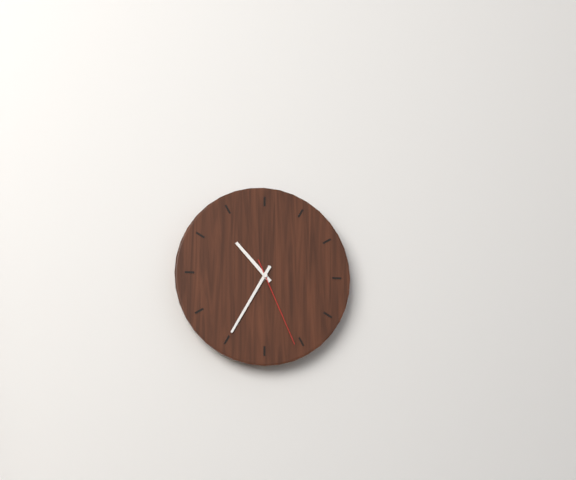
10,35,26
